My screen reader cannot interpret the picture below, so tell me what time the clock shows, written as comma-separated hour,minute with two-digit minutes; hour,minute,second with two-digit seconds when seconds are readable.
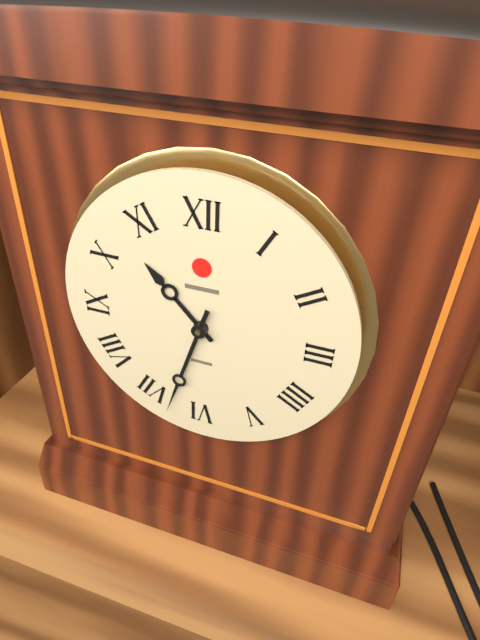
10,33
